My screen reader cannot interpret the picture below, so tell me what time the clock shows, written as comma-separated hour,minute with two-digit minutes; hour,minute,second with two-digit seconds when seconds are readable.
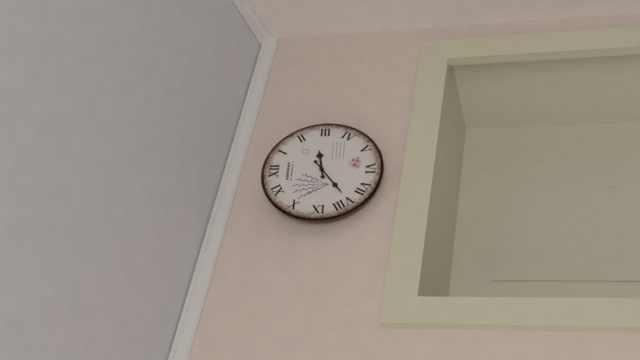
2,39
